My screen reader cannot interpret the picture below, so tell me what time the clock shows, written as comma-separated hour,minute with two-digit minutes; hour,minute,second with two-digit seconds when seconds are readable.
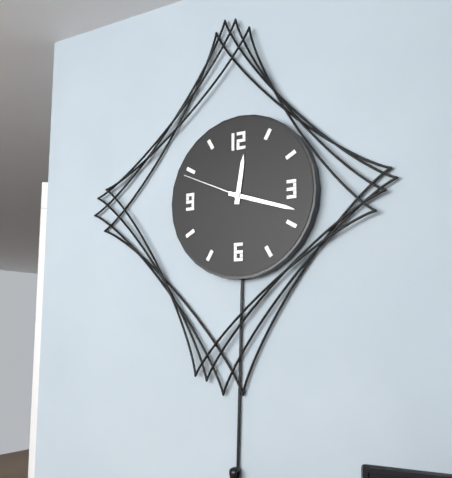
12,18,49
